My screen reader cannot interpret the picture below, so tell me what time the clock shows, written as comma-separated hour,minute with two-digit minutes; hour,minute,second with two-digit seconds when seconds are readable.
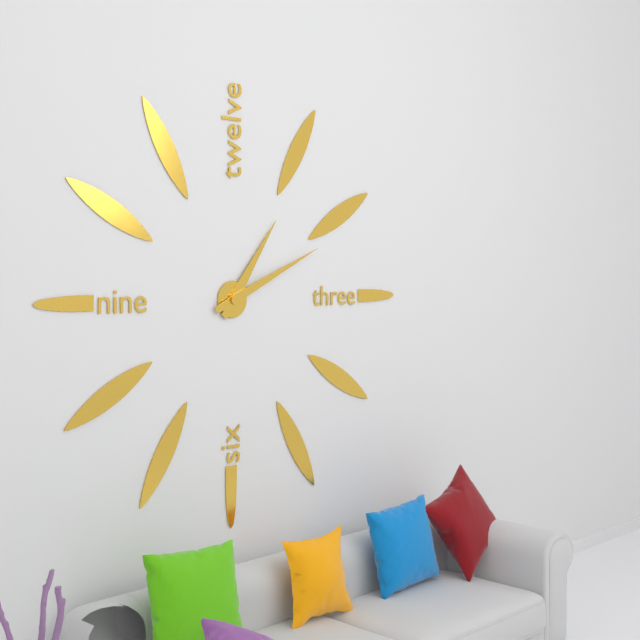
1,11
